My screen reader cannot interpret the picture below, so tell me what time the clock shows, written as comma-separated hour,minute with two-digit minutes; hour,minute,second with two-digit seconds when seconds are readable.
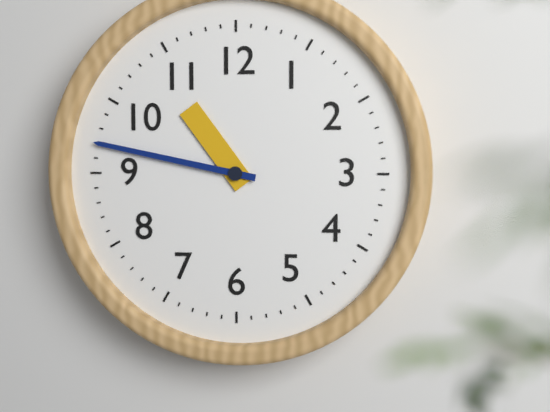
10,47
